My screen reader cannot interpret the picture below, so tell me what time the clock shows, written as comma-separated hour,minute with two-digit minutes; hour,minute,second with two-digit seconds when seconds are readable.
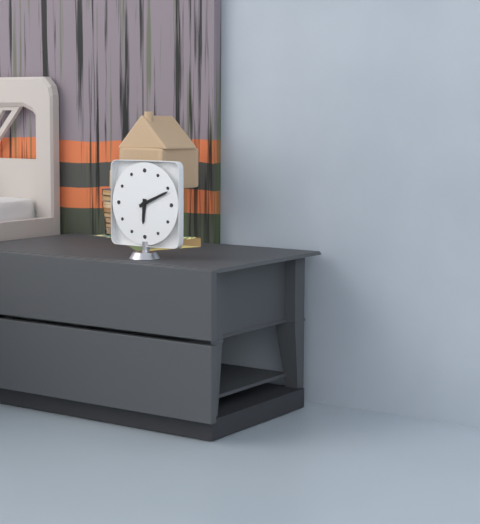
6,11
